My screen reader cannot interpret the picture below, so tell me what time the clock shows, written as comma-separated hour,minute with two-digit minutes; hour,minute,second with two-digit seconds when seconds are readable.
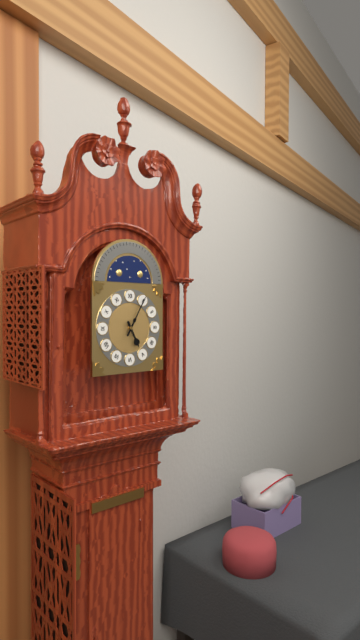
5,05
